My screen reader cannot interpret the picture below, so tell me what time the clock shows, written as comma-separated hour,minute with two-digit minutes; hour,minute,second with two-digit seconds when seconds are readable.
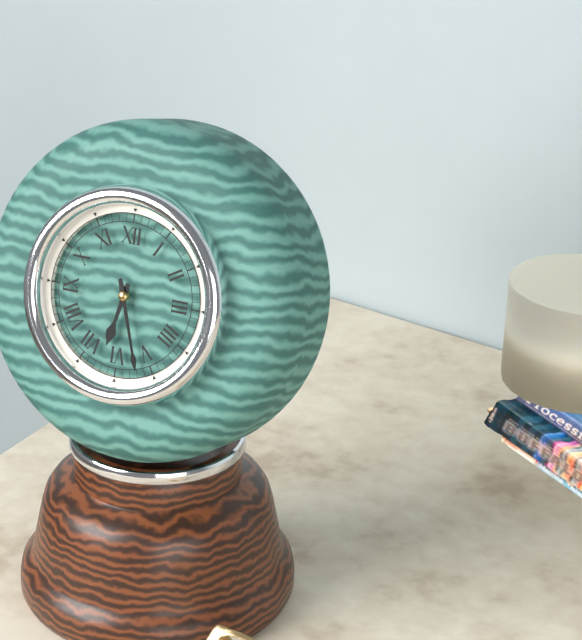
6,27
